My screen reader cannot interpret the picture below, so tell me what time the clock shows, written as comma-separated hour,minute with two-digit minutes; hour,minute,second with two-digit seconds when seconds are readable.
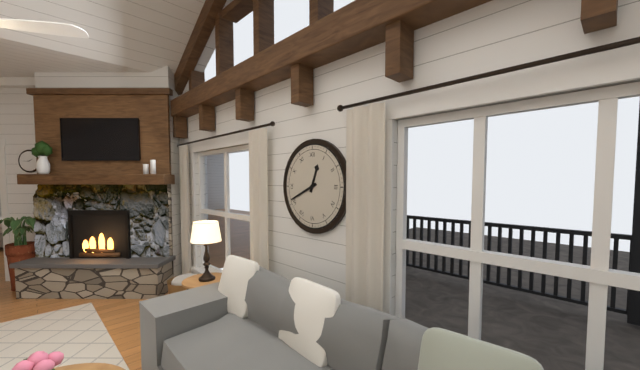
12,41
